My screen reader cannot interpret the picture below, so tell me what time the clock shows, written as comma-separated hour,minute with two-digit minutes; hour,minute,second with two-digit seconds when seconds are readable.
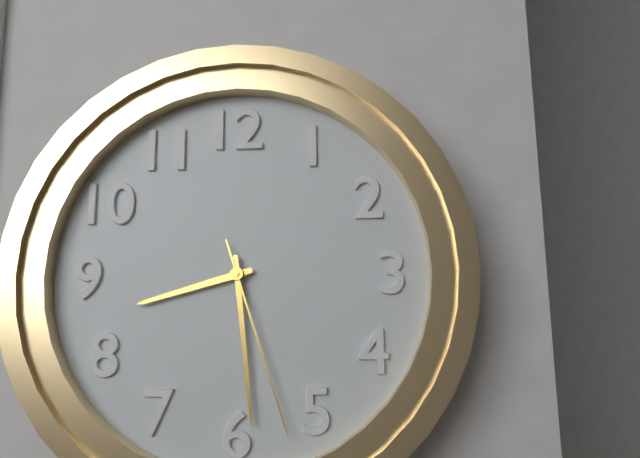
8,29,27
